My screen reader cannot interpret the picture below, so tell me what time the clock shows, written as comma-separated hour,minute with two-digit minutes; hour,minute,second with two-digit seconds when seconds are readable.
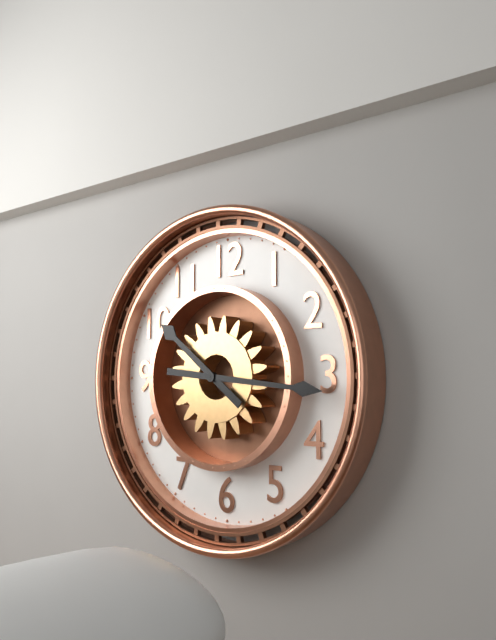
10,16
